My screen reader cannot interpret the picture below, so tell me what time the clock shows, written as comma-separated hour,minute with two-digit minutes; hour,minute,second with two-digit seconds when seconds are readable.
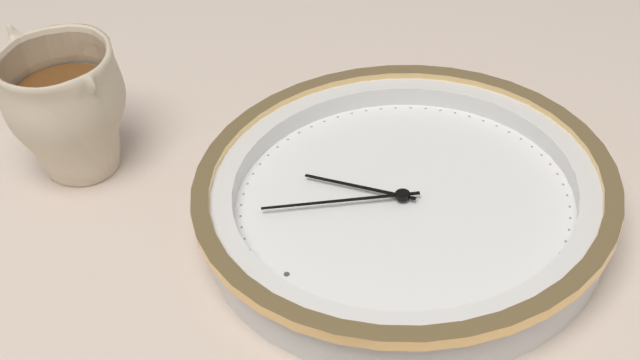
2,06
